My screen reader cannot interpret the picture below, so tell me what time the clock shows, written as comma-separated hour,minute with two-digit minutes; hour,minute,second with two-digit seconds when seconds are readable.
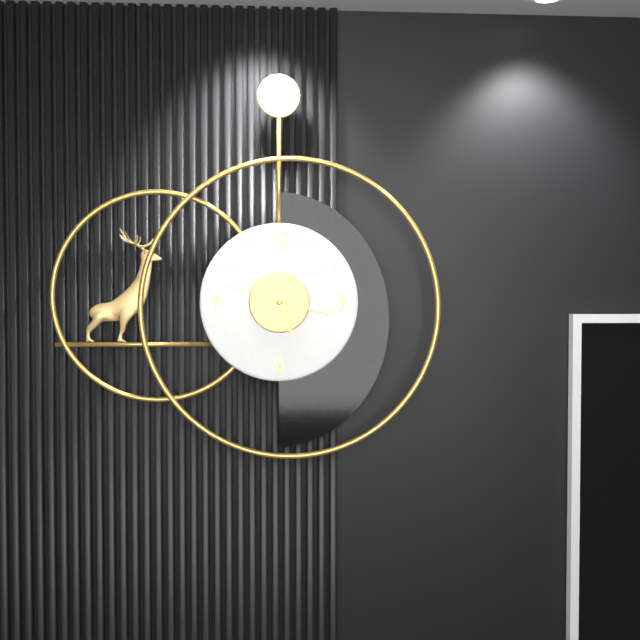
5,17,48
